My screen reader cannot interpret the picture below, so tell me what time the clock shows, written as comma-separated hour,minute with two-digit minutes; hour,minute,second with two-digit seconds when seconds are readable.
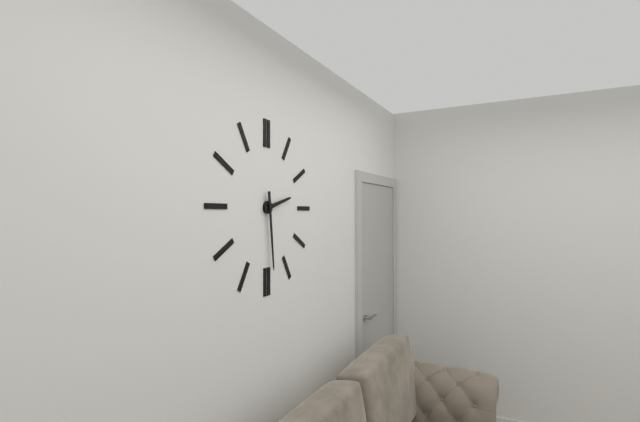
2,29
